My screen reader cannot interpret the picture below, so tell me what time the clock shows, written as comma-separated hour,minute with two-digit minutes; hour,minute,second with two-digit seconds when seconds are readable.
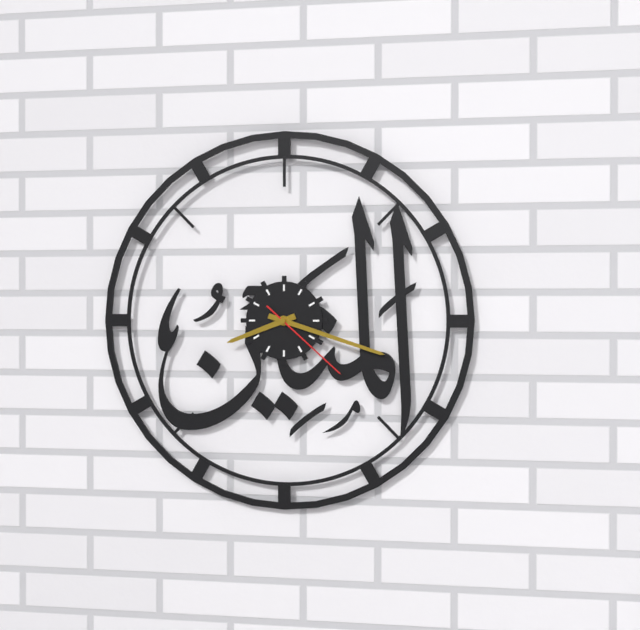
8,18,22
